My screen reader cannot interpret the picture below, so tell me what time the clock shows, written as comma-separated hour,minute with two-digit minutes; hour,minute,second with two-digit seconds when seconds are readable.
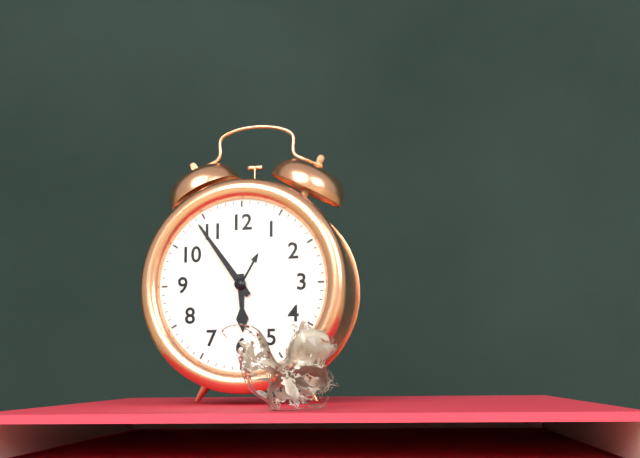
5,54
